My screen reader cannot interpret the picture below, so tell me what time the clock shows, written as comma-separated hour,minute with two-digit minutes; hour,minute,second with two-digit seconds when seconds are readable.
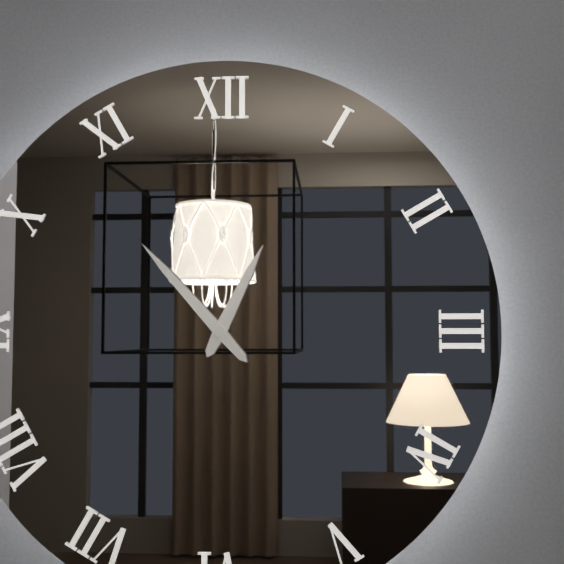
12,53
